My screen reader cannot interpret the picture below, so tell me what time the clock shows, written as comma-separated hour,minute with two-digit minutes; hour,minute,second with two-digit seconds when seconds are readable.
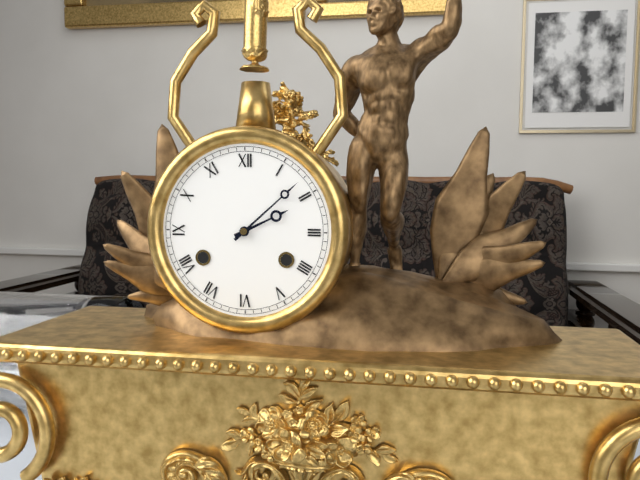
2,08
